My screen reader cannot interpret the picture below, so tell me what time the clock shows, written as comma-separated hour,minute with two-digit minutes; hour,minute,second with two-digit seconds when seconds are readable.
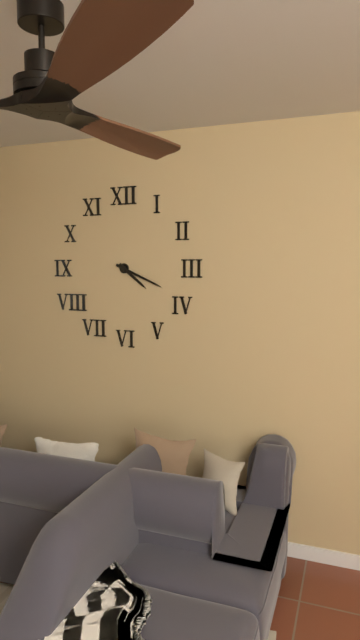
4,19
